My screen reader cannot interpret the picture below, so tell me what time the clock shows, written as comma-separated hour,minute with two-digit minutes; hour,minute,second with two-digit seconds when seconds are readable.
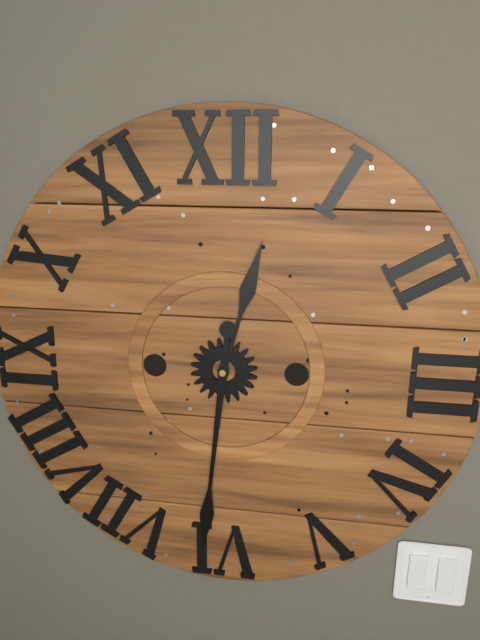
12,31
